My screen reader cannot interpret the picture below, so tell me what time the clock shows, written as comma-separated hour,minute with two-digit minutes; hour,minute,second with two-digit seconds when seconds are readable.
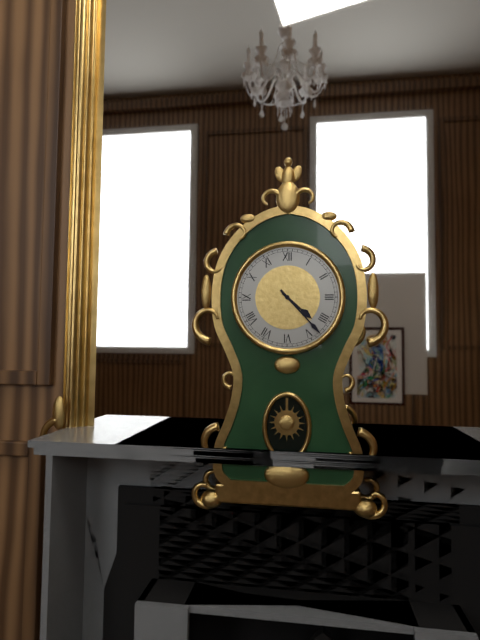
4,23
